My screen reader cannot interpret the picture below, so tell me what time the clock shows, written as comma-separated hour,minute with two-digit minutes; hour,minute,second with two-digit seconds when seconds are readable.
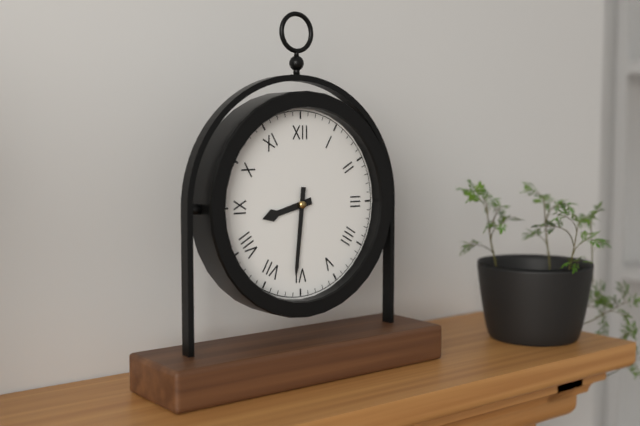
8,31
